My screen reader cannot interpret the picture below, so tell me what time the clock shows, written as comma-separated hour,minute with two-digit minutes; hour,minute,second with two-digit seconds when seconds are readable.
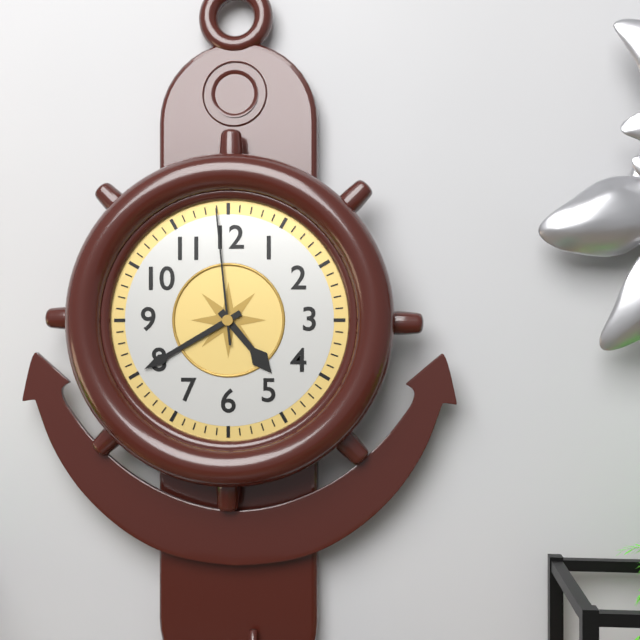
4,40,59
